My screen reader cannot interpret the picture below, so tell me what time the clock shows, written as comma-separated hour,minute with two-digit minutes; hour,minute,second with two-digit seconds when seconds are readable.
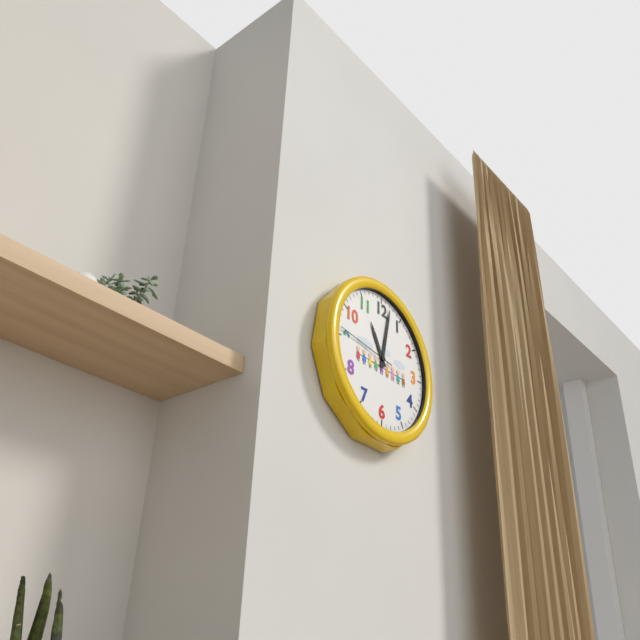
11,02,46
